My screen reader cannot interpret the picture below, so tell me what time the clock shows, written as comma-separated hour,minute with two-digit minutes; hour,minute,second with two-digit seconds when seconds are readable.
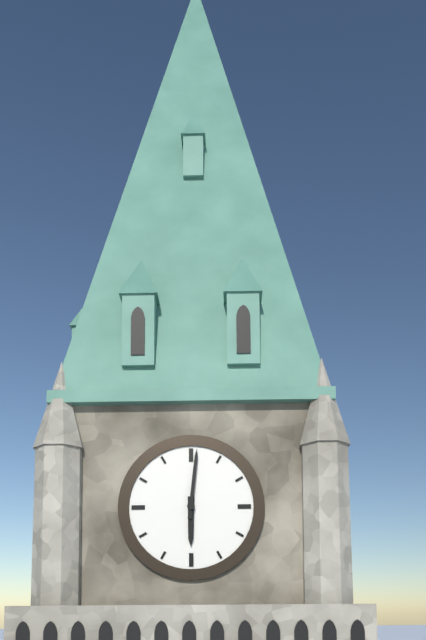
6,01
